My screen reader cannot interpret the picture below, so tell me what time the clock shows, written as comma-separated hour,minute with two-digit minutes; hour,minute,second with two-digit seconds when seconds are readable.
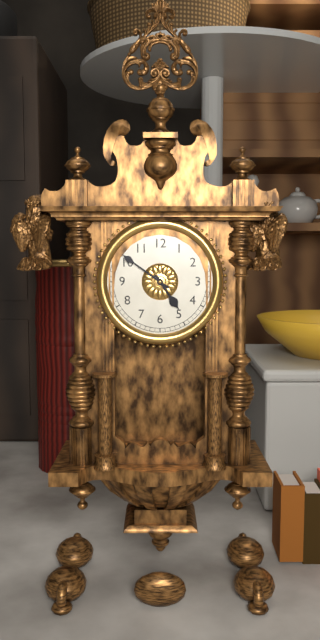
4,51
